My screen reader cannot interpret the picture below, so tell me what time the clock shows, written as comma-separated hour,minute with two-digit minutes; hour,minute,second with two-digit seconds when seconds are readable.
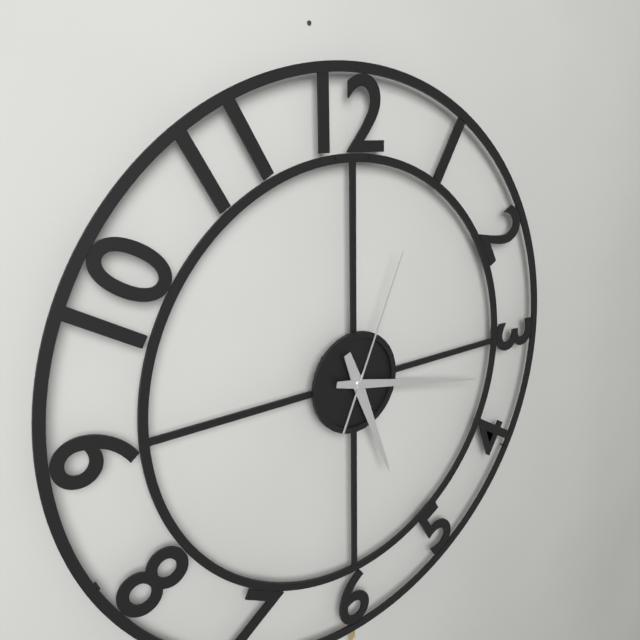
5,17,04
